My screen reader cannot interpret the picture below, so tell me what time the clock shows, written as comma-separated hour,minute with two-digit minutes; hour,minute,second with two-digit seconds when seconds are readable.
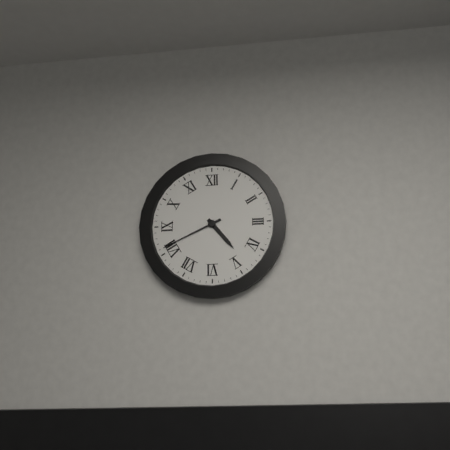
4,41
